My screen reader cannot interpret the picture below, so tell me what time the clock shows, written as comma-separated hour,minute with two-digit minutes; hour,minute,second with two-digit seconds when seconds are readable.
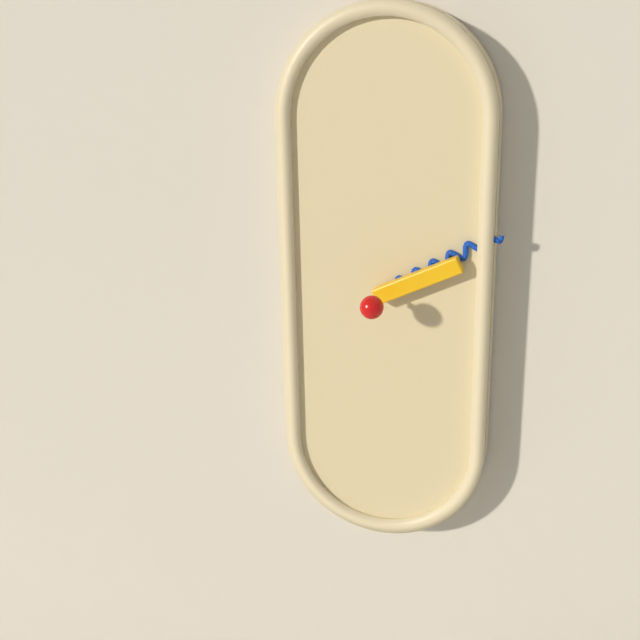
2,10
